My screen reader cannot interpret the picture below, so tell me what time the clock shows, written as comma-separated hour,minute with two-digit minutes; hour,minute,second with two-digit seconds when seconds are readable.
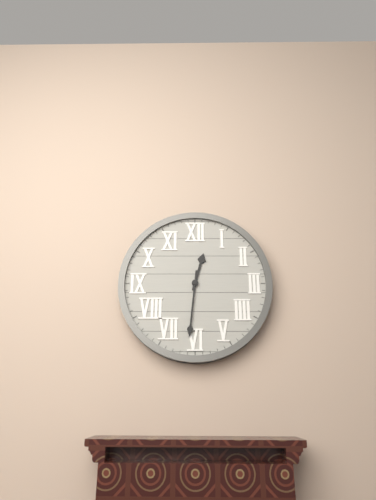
12,31
